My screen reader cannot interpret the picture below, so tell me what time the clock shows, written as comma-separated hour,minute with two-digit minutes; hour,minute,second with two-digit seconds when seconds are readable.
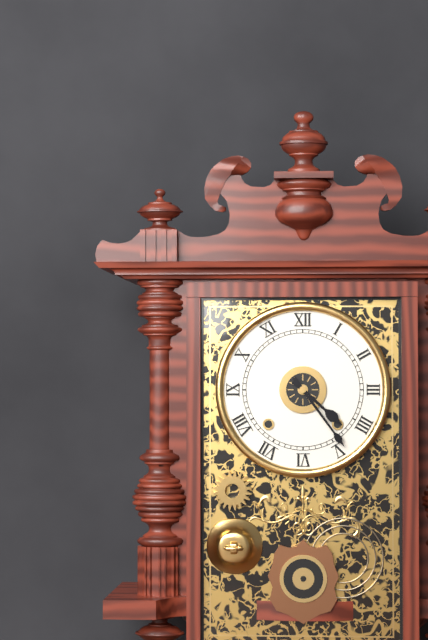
4,24
